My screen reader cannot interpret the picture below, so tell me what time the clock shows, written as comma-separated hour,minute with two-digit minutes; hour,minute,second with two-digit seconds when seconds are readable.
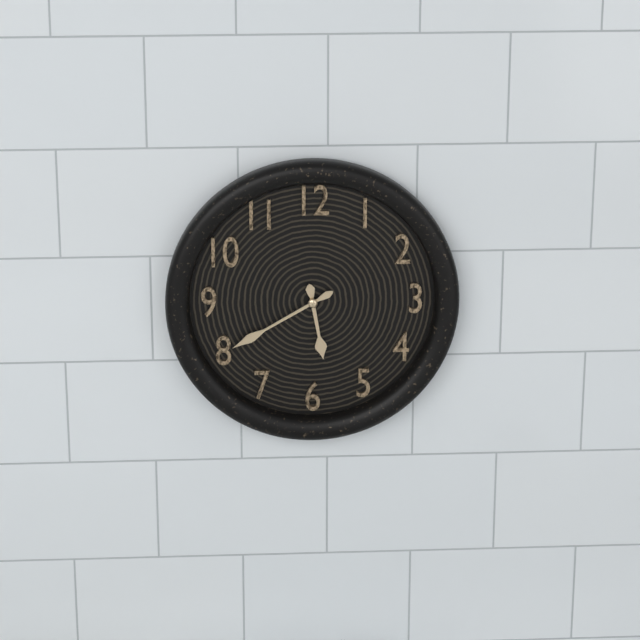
5,40
